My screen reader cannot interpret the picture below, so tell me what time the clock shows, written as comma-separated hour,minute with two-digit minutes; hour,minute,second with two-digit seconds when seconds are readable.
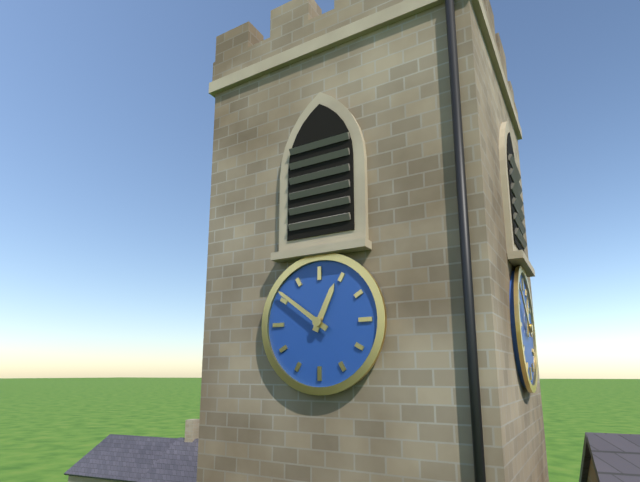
12,51
